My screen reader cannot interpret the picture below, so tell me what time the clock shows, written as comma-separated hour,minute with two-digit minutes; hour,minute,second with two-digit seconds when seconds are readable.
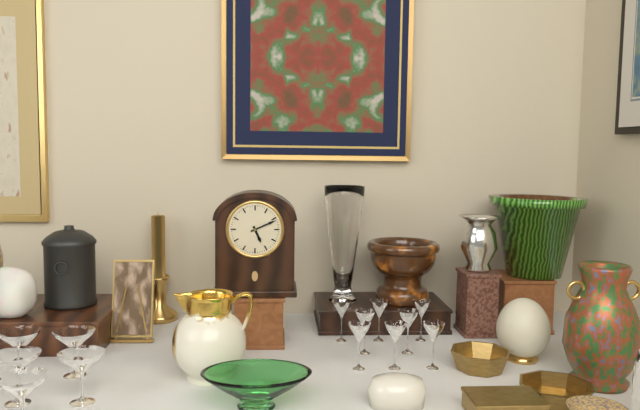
5,11
